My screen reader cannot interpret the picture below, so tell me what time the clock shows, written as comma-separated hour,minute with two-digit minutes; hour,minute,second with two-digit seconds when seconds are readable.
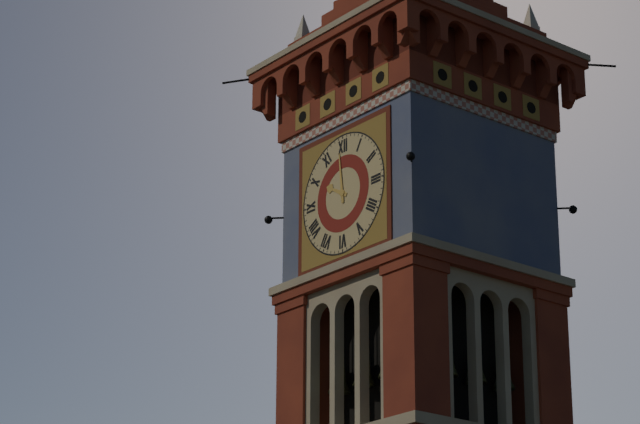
9,59
